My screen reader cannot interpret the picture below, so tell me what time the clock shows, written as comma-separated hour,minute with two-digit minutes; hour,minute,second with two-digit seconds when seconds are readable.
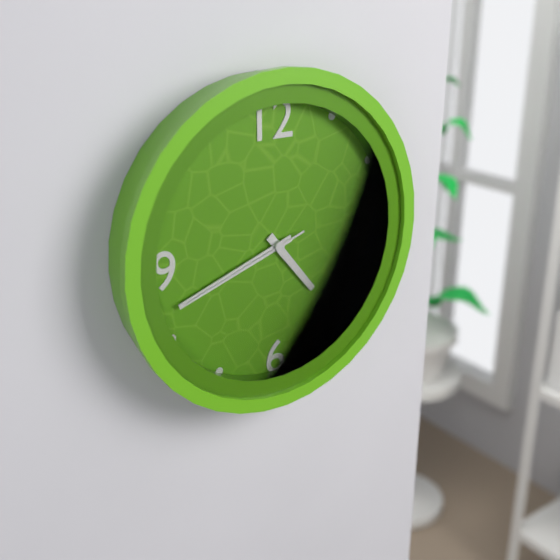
4,42,42
